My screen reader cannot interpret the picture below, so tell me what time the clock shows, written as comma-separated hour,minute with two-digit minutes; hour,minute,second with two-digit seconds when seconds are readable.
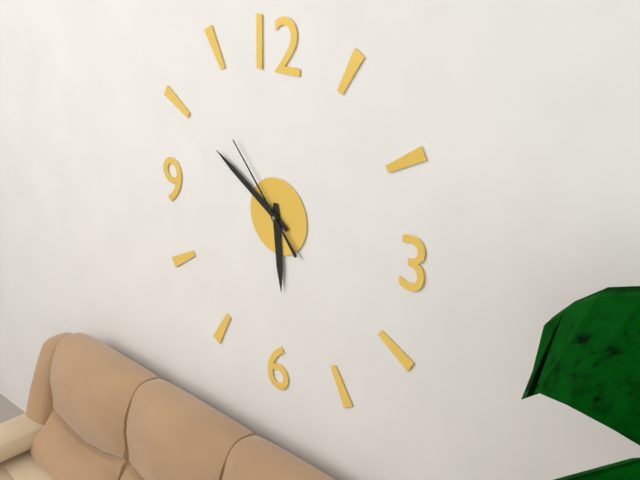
5,50,53
